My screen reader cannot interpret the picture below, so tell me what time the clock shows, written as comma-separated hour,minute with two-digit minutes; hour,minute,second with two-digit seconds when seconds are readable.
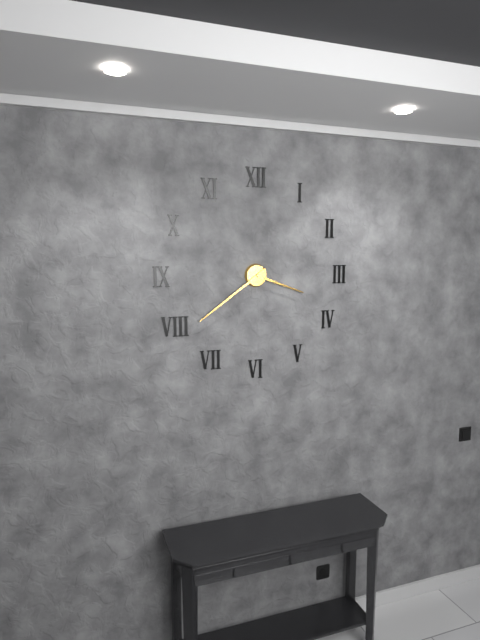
3,39
